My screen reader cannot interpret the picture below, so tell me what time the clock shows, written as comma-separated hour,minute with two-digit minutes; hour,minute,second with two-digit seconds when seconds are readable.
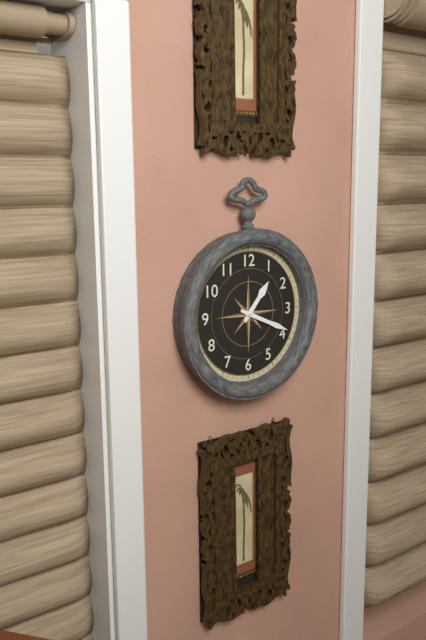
1,19
